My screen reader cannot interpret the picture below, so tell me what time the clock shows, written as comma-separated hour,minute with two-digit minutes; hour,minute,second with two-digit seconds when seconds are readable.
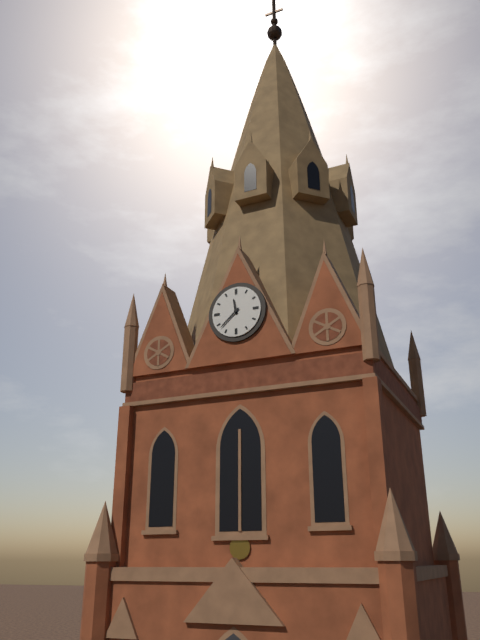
11,38
